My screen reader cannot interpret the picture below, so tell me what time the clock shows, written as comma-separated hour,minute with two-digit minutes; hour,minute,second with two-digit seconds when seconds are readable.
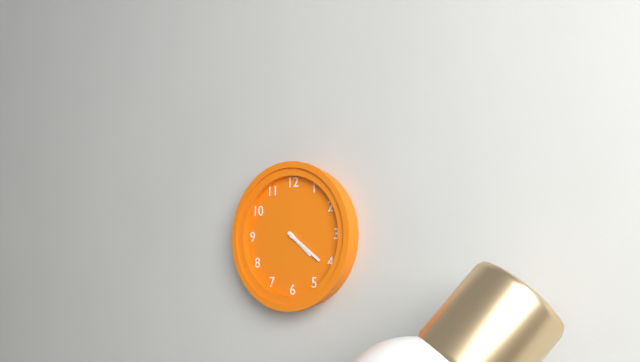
4,21
